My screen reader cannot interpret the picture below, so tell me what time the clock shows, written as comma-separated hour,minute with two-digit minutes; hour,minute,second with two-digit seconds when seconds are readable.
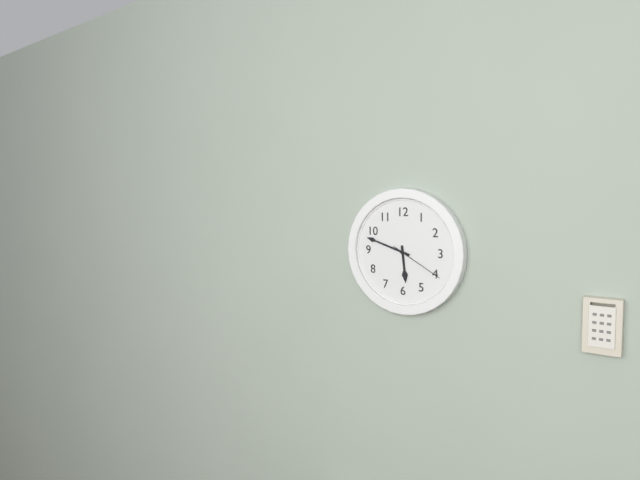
5,48,20
